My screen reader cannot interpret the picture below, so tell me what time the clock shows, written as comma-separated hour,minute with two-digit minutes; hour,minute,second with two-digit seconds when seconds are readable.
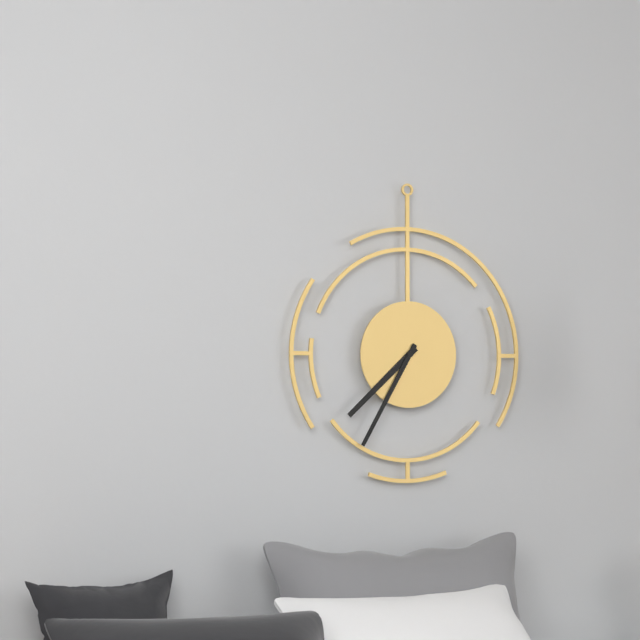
7,35
